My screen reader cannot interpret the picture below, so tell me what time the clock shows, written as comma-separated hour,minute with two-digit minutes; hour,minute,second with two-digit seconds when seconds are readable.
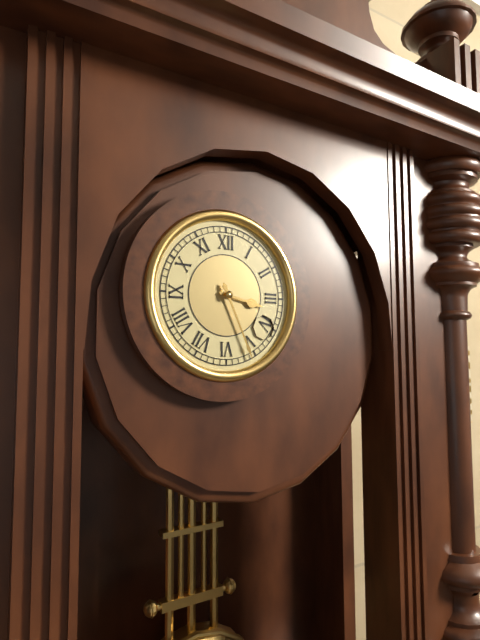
3,26
